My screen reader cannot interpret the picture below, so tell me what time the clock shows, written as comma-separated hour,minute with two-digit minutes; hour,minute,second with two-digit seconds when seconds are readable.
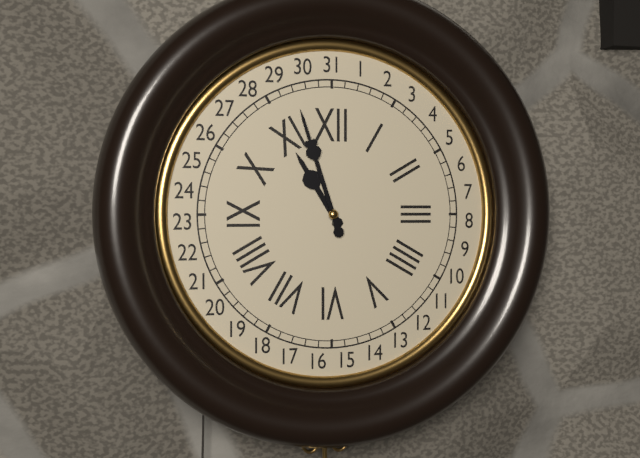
10,57
